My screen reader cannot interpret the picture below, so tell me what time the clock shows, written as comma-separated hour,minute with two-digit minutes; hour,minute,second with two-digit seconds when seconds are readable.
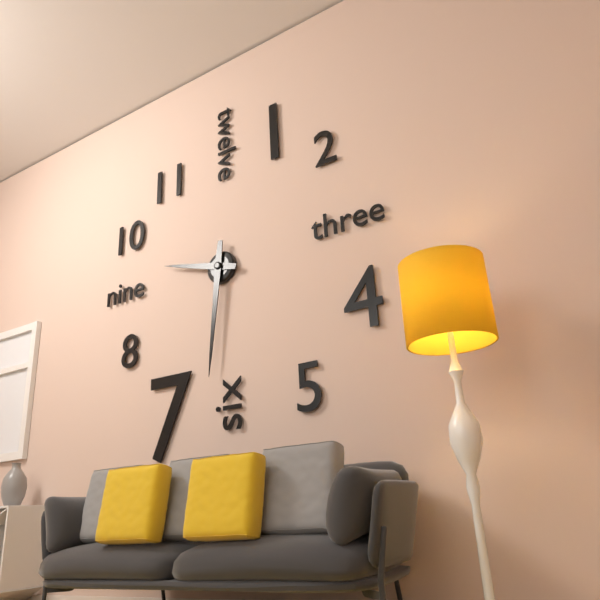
9,31
